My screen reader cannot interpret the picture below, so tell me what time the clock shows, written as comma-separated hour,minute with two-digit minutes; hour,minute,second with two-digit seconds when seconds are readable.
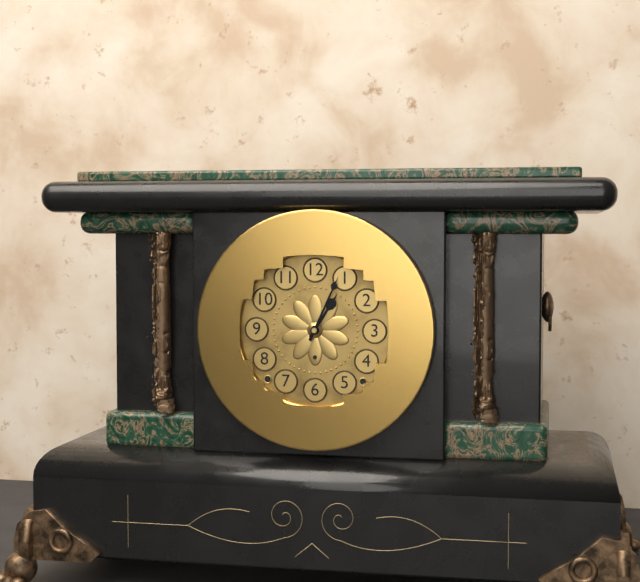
1,04
